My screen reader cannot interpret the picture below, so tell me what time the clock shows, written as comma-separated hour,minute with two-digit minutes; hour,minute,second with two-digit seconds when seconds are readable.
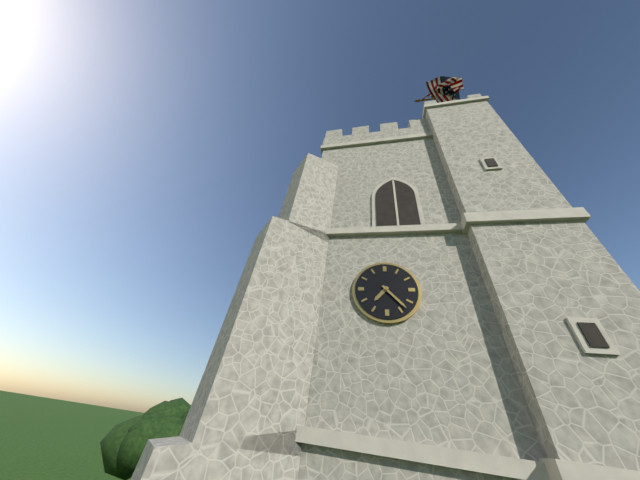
7,23
